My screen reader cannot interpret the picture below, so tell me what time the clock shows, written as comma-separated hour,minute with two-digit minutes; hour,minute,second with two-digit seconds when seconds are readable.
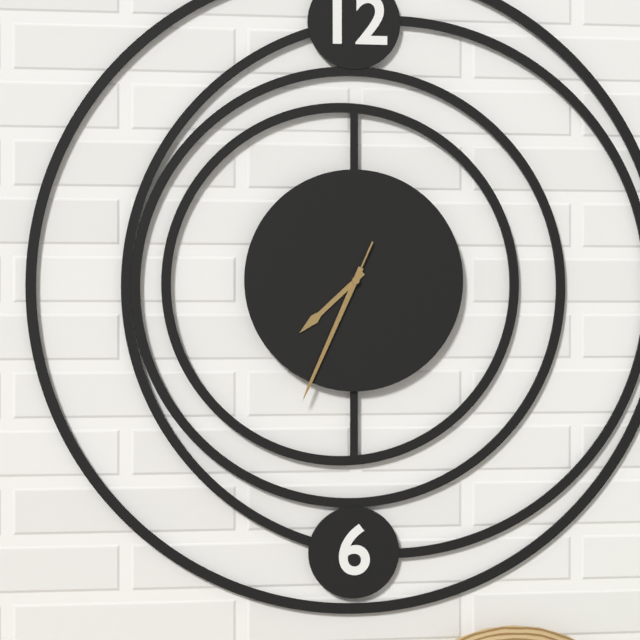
7,34,34
